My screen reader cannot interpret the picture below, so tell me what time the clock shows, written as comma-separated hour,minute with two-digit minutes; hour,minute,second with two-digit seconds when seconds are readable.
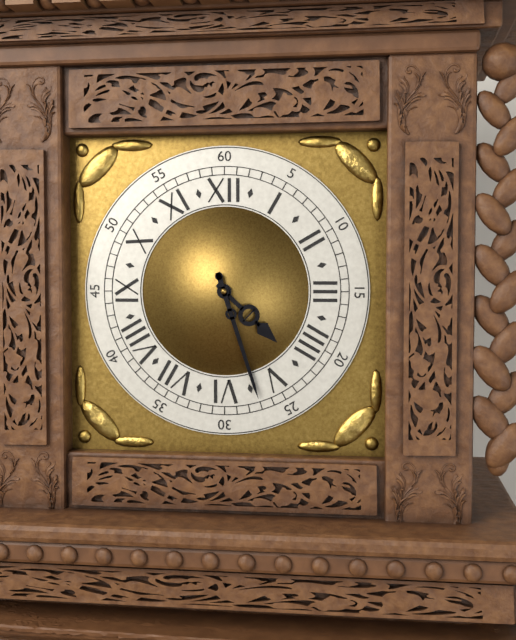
4,27
